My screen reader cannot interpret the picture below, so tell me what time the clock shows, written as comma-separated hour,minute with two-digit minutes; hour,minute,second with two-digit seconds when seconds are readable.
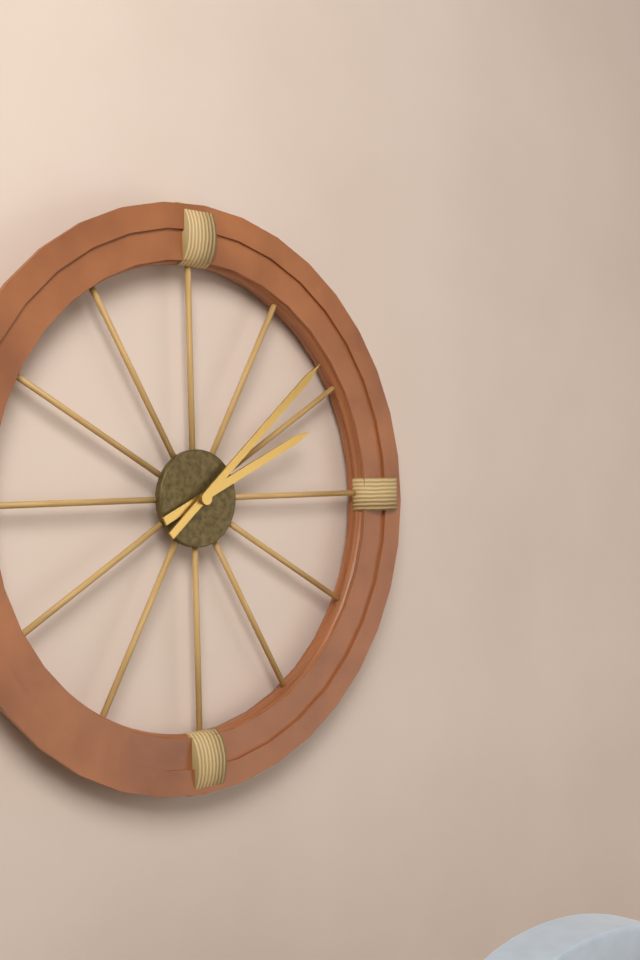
2,08
